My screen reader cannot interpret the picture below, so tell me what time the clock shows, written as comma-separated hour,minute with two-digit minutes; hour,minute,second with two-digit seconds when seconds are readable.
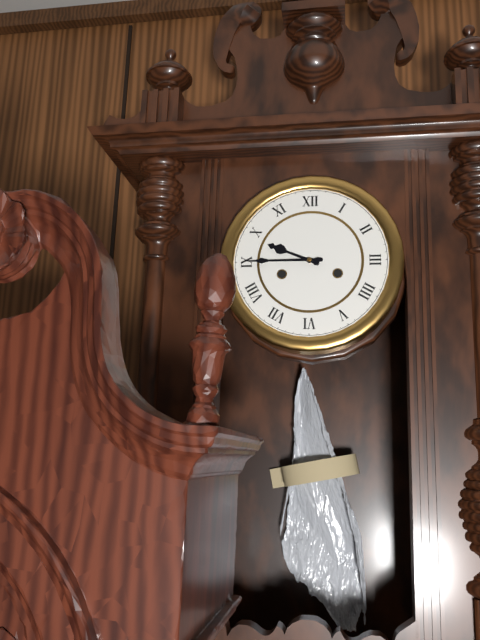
9,45
